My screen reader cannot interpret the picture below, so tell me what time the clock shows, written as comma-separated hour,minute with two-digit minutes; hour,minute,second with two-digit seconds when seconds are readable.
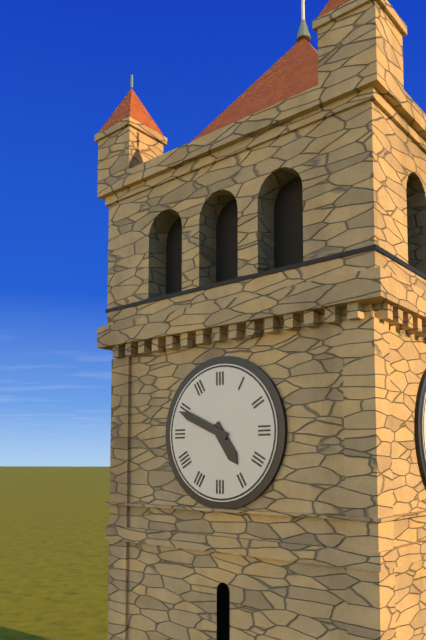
4,49
